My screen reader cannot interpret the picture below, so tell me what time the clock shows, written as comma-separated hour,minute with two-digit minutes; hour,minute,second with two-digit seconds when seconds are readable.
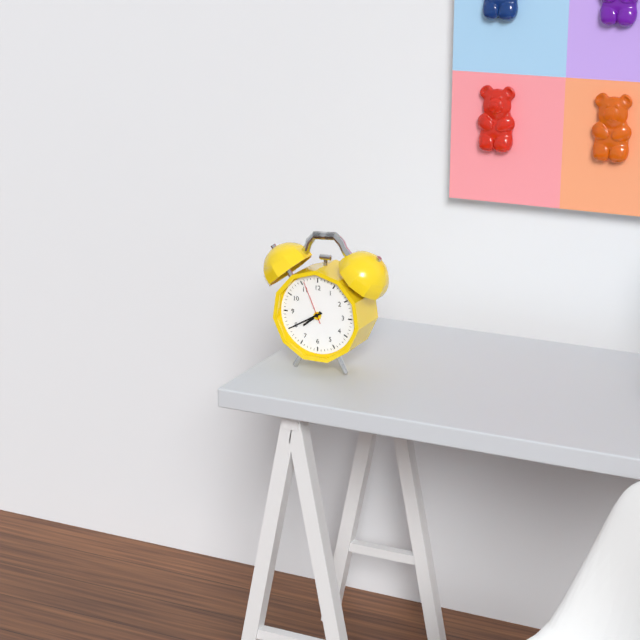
7,40
